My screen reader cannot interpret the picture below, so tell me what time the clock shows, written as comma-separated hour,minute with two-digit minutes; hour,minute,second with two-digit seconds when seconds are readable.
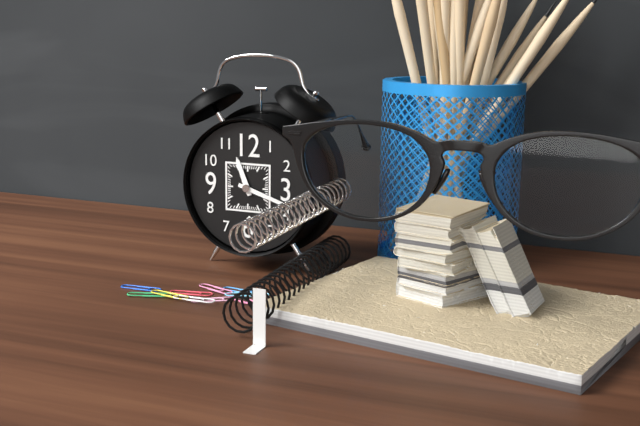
11,18
